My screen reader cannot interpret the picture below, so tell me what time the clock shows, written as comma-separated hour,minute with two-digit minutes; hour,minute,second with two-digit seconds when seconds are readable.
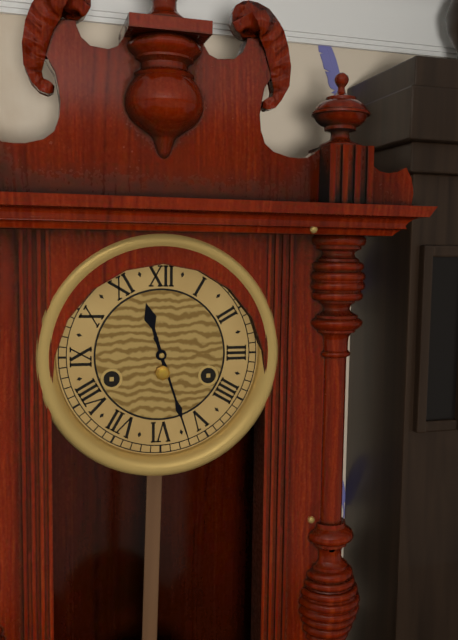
11,27
